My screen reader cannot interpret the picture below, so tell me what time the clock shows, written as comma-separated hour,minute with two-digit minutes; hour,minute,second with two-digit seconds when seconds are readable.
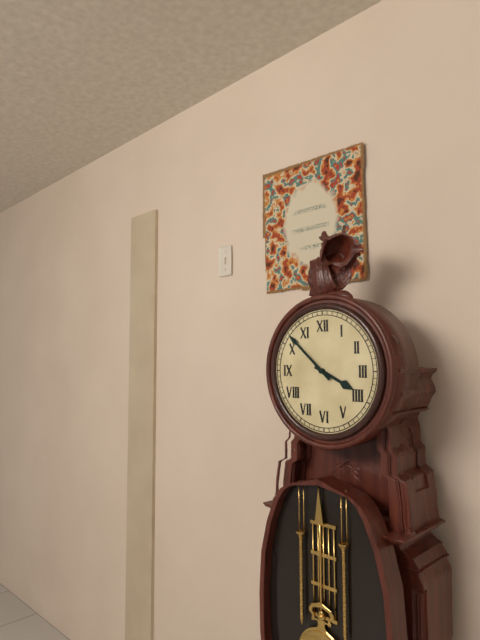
3,52
